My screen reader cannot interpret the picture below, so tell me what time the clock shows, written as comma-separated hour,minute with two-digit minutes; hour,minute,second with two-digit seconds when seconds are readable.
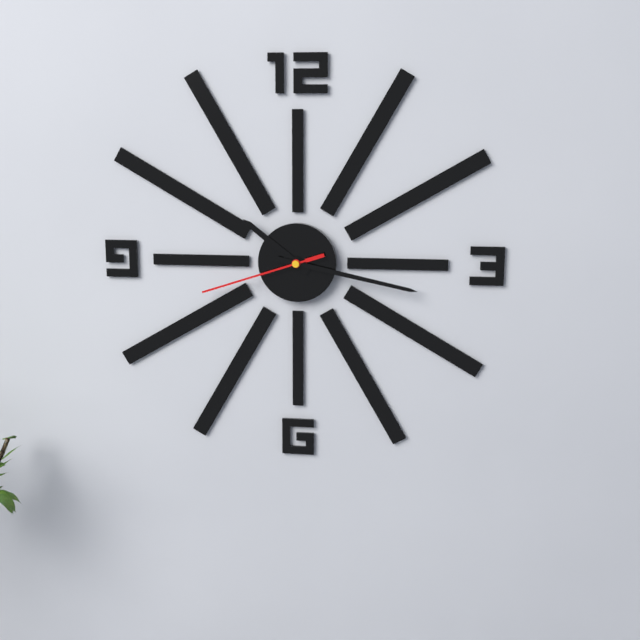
10,17,42
